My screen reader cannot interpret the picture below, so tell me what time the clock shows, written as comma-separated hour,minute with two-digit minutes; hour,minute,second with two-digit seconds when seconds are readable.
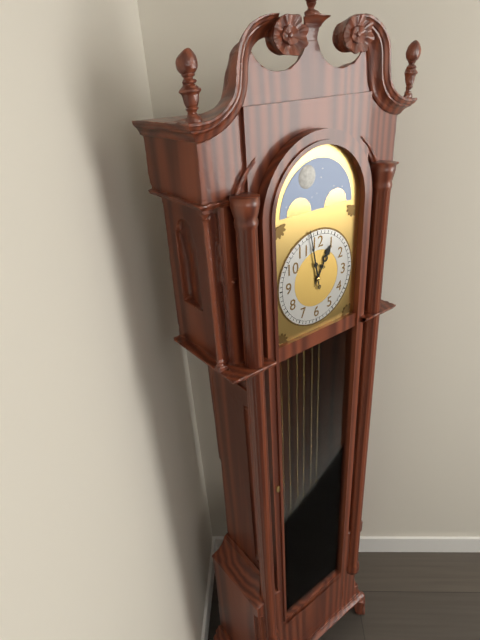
12,58
